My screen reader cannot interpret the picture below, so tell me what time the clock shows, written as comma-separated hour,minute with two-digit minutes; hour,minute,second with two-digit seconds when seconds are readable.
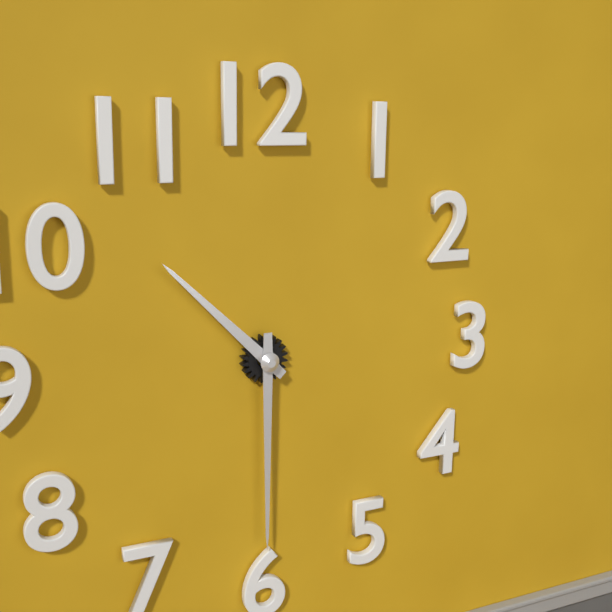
10,30
